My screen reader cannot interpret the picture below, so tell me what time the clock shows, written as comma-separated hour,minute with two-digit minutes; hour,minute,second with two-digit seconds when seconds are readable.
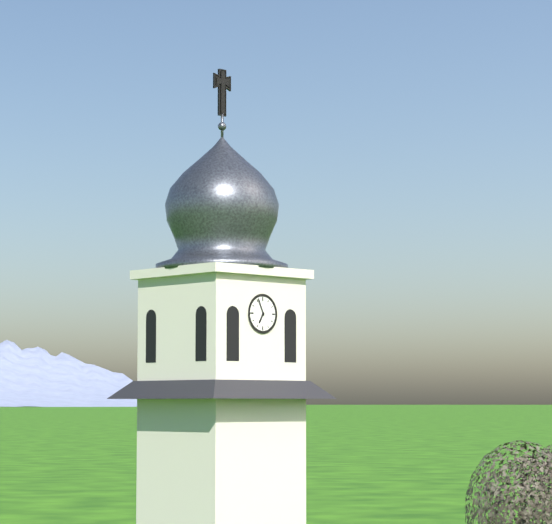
6,56
